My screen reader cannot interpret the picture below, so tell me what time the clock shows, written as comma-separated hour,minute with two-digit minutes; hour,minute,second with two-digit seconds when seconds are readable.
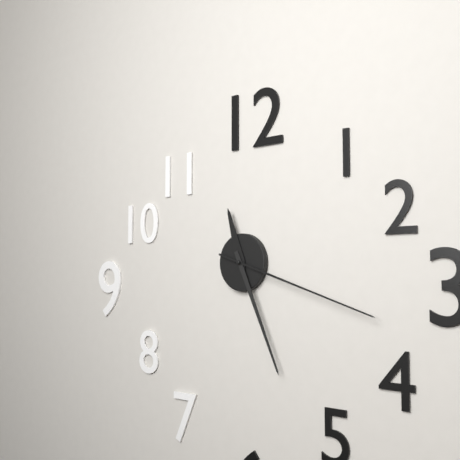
11,26,18
